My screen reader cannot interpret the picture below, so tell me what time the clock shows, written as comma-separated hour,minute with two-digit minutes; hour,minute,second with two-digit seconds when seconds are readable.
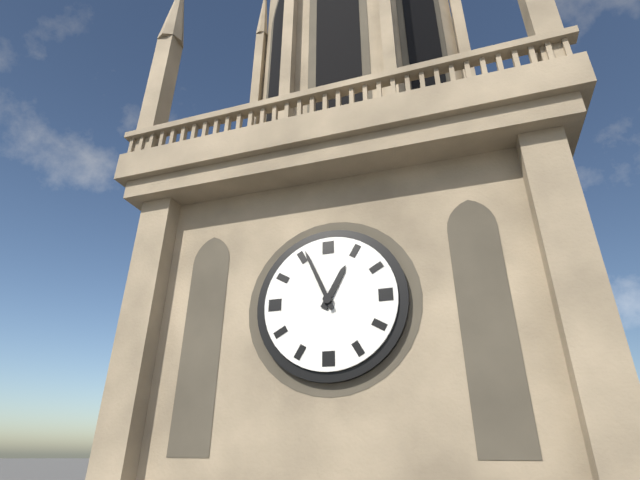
12,56
